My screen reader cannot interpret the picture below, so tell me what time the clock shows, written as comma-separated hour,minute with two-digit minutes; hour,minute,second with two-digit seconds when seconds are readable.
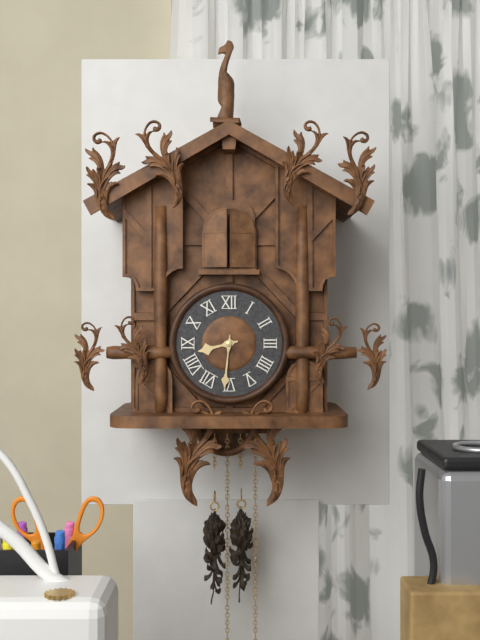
8,31
